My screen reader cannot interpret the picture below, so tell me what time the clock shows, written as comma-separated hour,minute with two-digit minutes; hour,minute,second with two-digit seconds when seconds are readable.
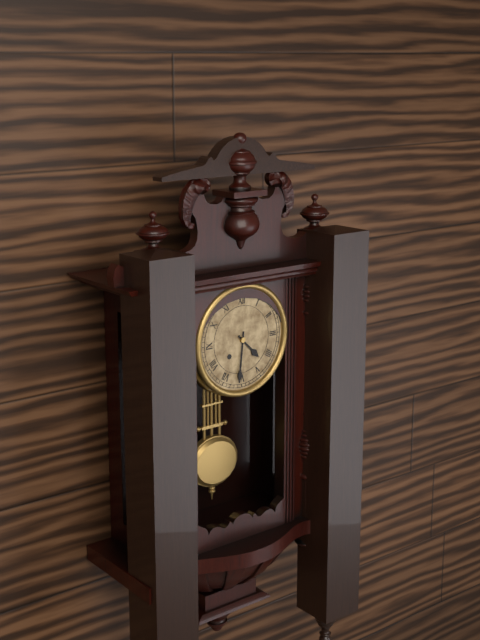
4,31
